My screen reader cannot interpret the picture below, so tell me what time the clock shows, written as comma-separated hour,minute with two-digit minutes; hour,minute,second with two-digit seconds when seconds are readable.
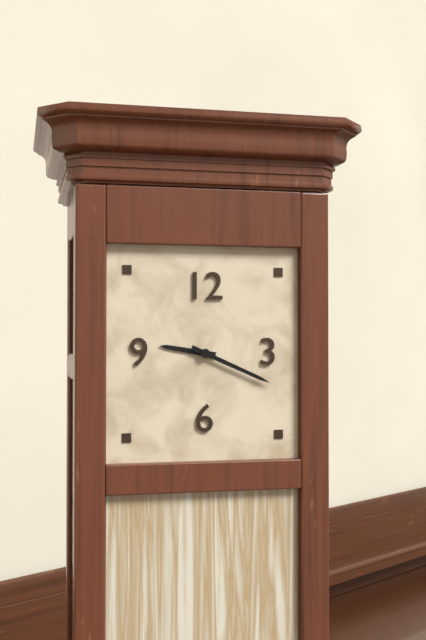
9,19
